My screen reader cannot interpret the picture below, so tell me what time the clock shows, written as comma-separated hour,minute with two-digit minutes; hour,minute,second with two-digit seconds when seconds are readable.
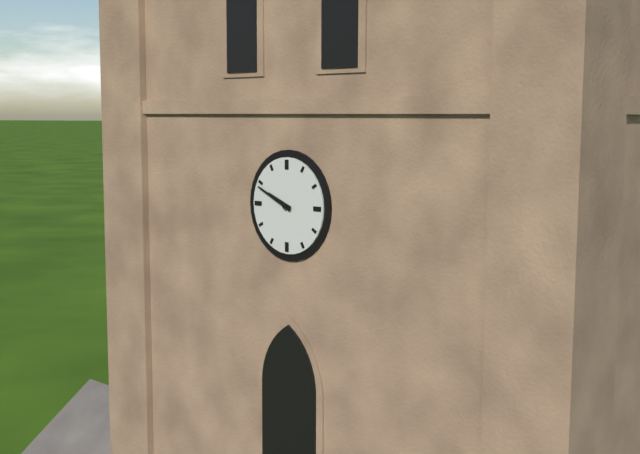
9,49
